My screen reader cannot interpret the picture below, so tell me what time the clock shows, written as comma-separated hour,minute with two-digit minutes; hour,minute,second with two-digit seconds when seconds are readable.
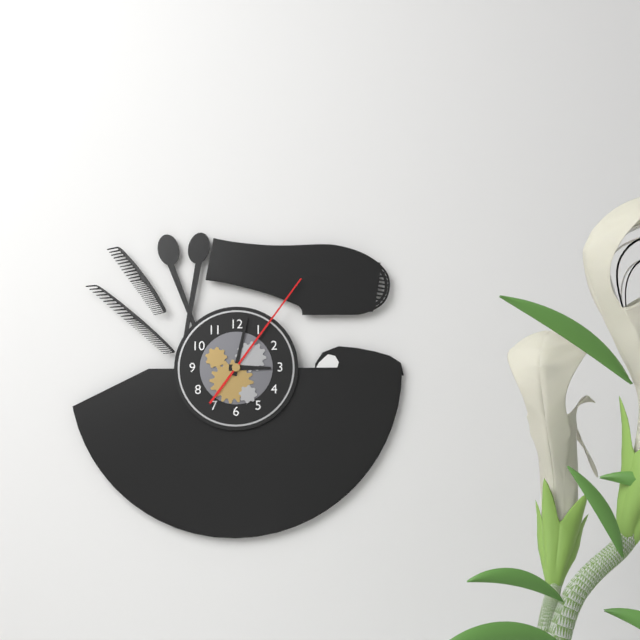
3,02,06
